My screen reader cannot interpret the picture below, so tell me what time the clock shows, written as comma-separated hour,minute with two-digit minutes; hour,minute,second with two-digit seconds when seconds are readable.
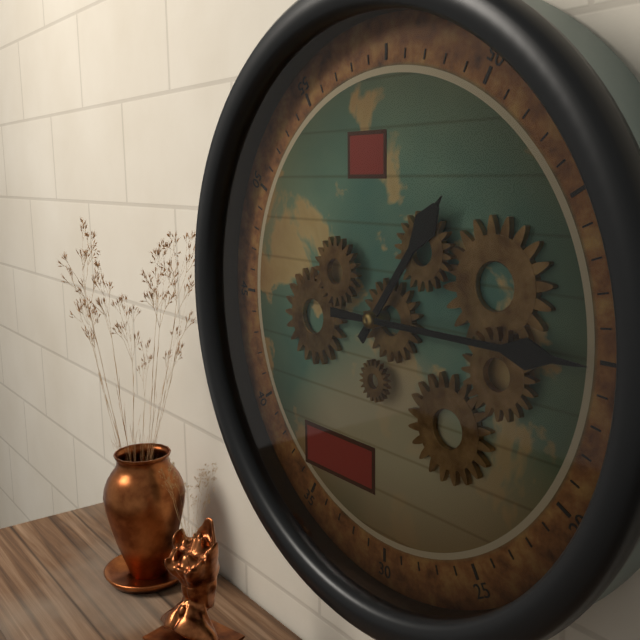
1,15
